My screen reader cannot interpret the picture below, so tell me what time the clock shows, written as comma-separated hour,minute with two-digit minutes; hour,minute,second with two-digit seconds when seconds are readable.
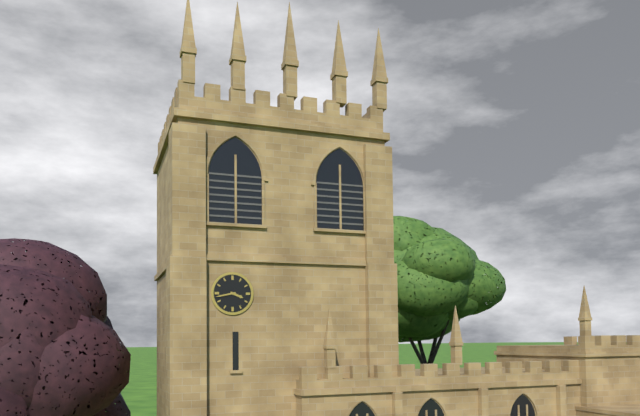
3,43
